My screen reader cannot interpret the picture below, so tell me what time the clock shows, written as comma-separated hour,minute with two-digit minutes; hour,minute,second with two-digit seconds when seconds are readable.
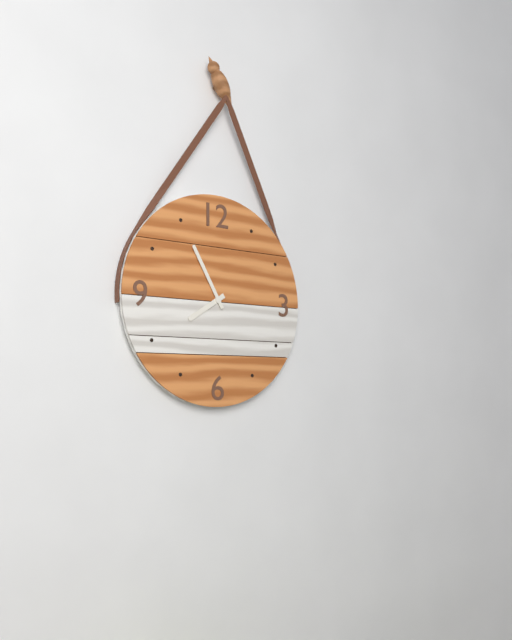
7,55
